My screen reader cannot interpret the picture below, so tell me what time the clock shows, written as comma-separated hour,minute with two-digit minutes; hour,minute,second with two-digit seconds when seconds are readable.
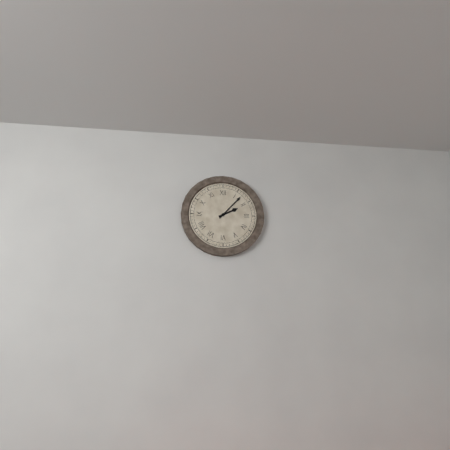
2,07
